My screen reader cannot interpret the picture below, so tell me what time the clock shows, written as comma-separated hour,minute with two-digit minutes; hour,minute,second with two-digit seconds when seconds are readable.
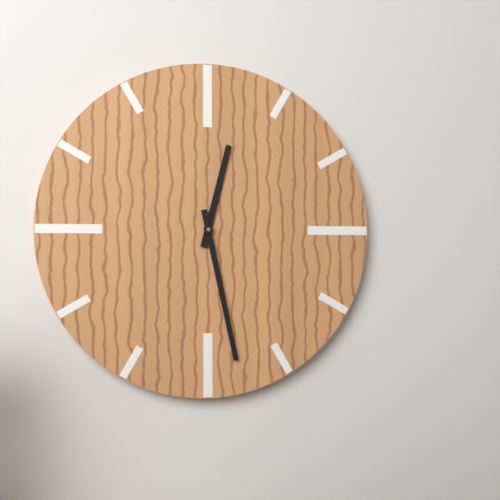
12,28
